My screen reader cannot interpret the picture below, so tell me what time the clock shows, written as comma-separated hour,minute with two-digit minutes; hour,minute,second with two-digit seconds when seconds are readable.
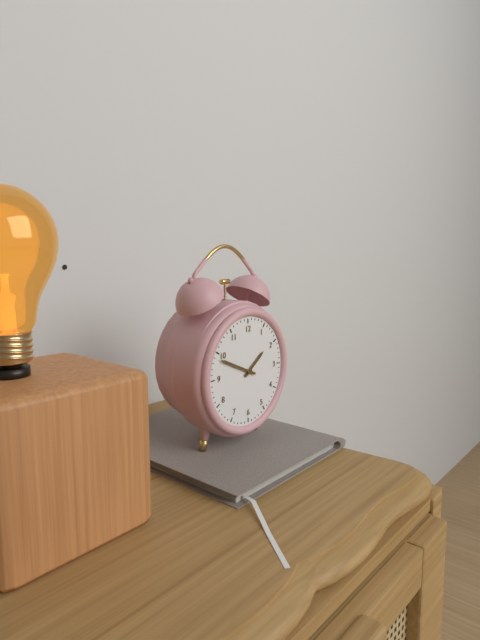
1,49
